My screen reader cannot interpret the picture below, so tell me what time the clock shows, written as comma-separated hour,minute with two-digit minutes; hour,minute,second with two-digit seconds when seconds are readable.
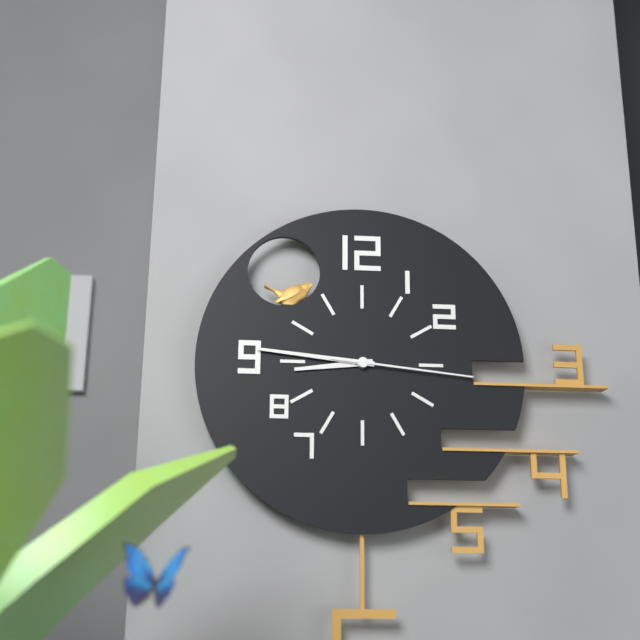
8,46,16
